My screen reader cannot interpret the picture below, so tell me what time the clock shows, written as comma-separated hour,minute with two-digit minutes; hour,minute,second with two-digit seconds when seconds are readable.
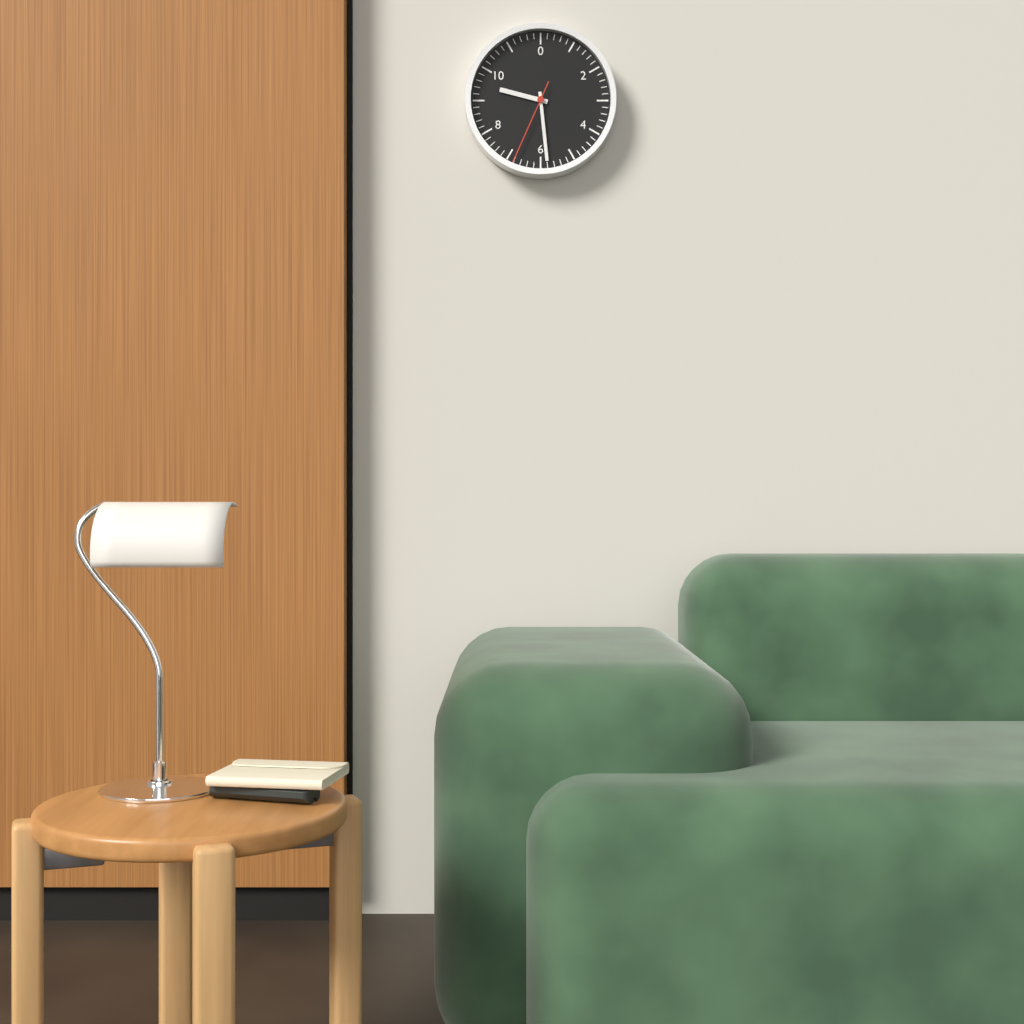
9,29,34
